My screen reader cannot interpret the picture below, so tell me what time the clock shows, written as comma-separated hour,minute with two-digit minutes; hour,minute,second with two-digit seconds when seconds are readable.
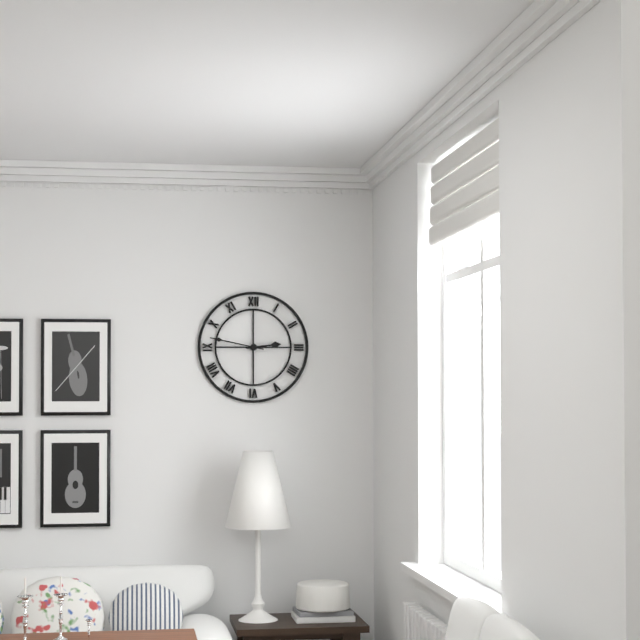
2,47
